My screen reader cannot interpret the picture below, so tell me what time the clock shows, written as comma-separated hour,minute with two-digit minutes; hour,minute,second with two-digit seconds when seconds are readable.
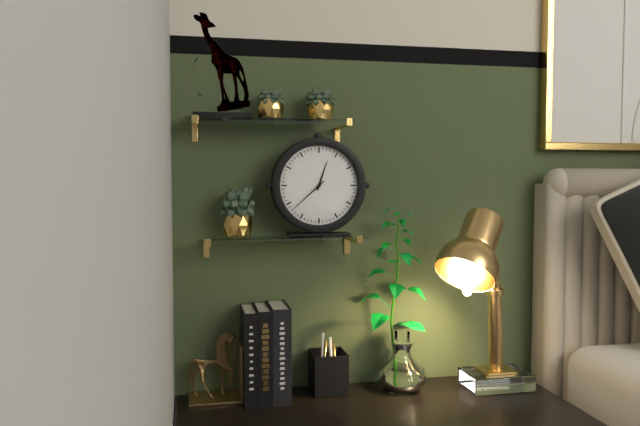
12,38
